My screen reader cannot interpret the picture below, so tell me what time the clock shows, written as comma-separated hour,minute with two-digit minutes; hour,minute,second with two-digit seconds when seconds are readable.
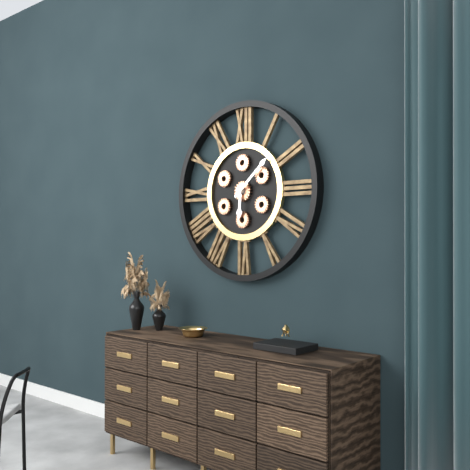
6,08
